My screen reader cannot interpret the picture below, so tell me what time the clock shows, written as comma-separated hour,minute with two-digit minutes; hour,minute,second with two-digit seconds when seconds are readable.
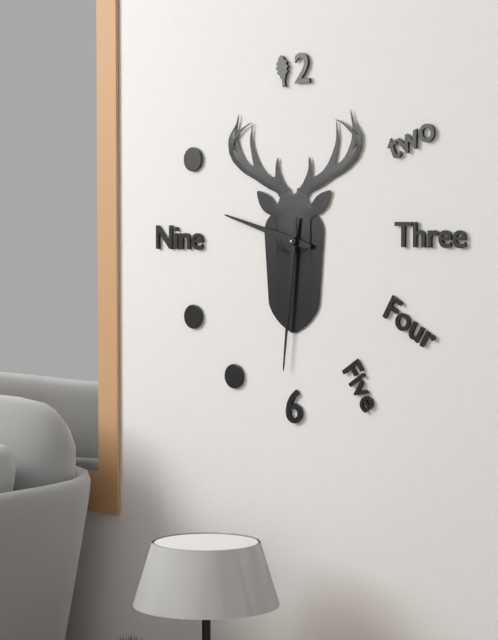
9,31
